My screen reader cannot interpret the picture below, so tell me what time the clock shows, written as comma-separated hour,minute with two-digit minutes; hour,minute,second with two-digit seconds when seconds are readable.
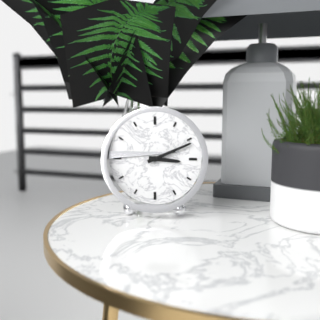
3,11
